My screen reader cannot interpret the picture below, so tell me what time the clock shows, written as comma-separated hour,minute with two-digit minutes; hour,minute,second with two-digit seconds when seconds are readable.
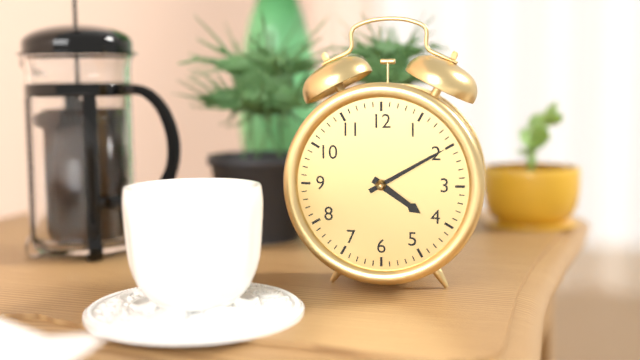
4,10
